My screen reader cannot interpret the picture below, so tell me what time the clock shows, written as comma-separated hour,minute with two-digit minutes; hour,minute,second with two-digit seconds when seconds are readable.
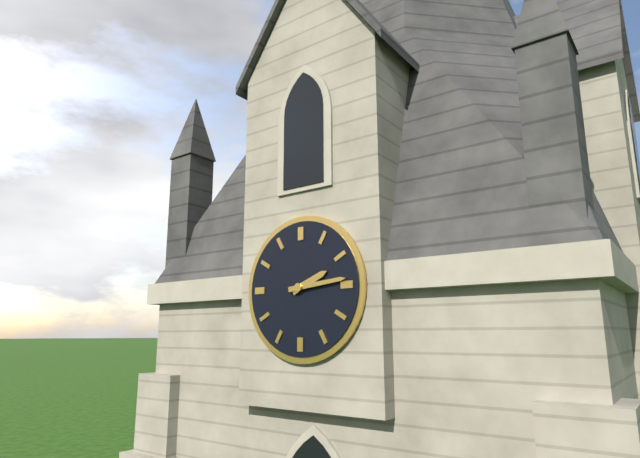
2,14
